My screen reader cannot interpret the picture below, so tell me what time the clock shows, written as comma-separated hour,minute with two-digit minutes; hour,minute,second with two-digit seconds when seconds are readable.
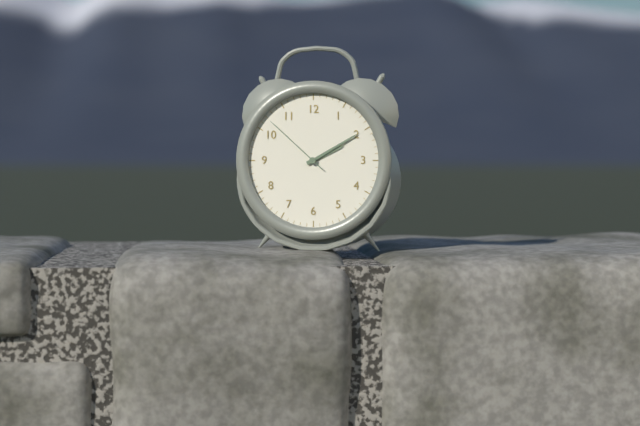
2,10,52
